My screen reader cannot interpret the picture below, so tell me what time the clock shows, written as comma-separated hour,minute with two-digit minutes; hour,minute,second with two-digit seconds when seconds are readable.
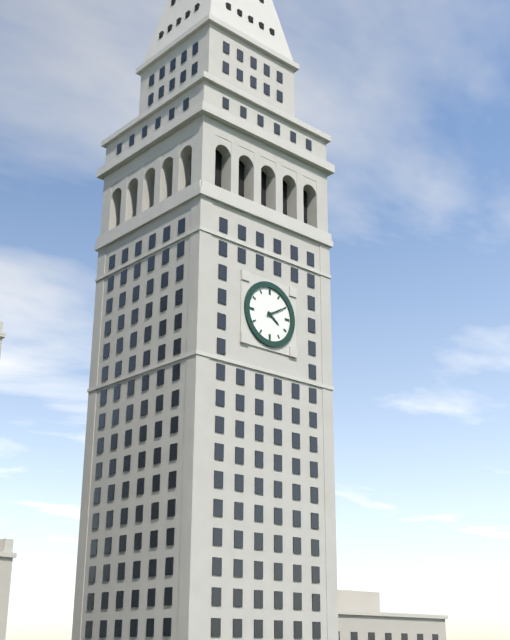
4,10
